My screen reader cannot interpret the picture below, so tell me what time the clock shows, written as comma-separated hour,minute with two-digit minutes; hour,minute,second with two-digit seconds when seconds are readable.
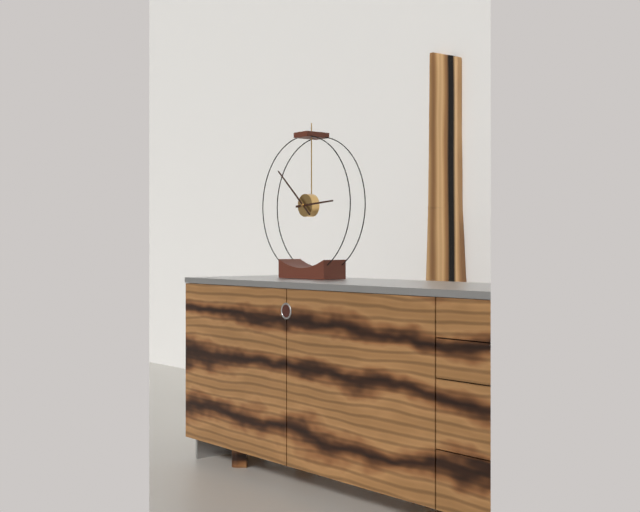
2,52
